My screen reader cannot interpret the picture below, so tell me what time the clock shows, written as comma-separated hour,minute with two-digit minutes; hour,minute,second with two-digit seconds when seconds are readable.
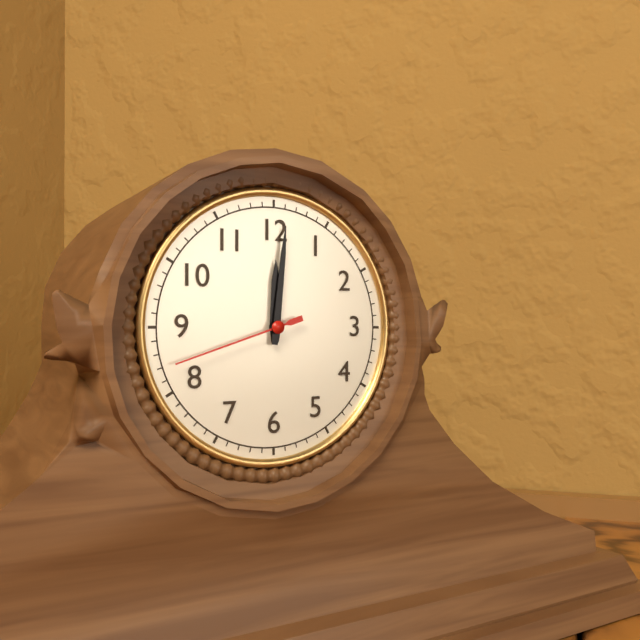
12,01,42
